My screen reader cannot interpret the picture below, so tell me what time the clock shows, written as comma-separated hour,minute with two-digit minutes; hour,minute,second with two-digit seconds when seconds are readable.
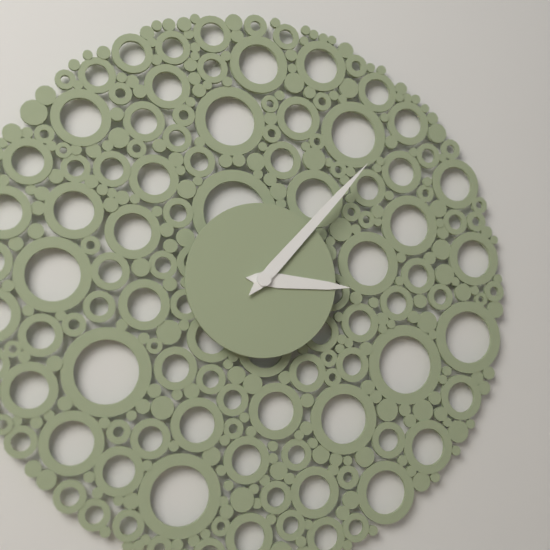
3,07
